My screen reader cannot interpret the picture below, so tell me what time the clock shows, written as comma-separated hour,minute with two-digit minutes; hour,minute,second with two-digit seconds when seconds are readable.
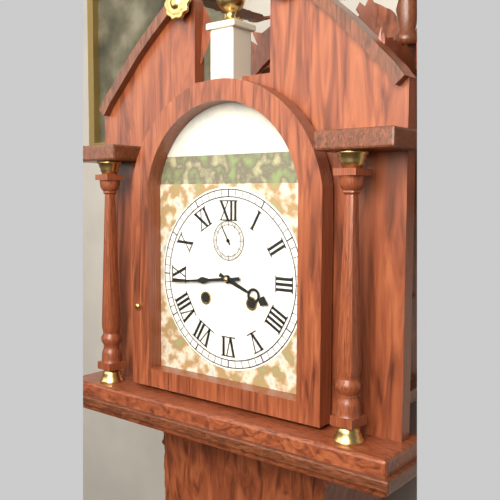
3,44
